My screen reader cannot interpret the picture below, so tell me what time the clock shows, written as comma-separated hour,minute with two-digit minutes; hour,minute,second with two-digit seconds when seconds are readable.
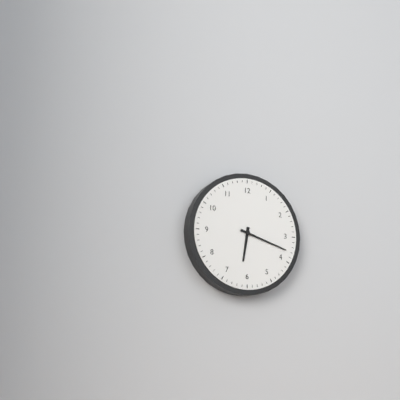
6,18
